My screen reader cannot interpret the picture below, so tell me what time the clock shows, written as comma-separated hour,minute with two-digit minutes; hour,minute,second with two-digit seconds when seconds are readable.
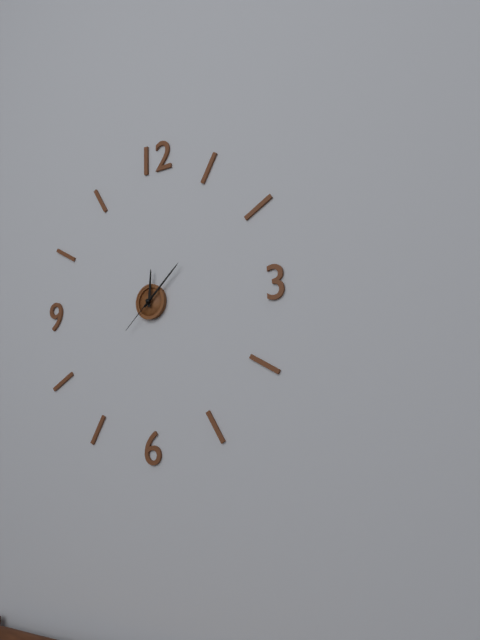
12,08
